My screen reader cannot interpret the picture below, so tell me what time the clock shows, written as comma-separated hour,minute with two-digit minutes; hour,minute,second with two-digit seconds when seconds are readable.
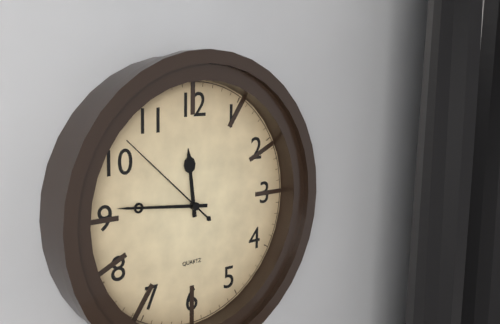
11,46,52
